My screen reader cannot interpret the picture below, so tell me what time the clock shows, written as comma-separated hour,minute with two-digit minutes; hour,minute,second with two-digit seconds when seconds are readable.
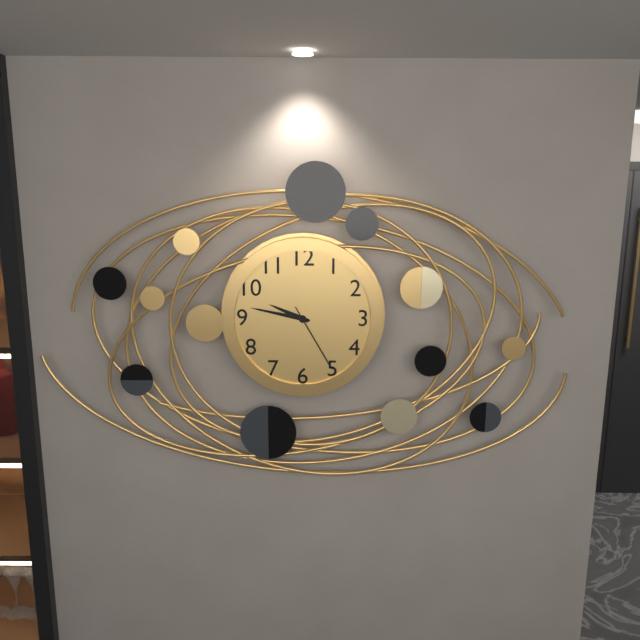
9,47,25
